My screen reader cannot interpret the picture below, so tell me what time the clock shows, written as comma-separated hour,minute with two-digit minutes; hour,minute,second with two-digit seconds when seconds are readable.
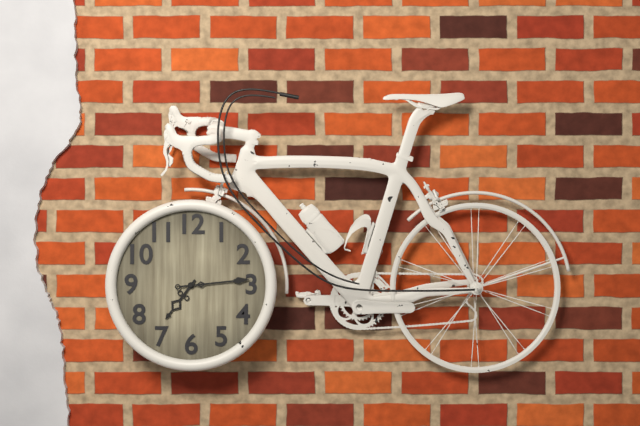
7,14
